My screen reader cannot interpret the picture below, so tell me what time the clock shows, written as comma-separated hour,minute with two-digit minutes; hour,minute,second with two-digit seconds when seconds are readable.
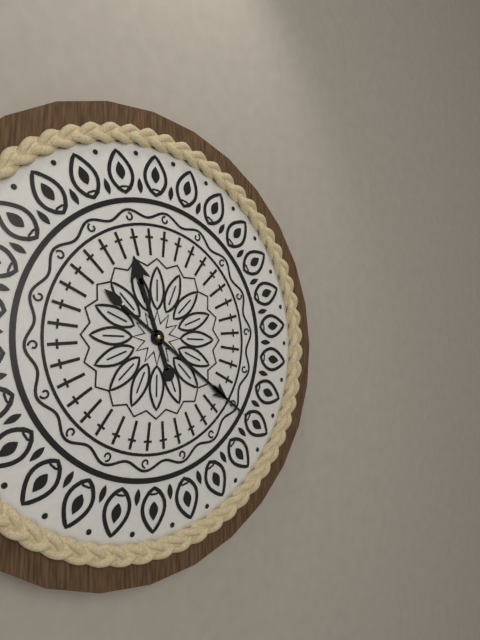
11,21
